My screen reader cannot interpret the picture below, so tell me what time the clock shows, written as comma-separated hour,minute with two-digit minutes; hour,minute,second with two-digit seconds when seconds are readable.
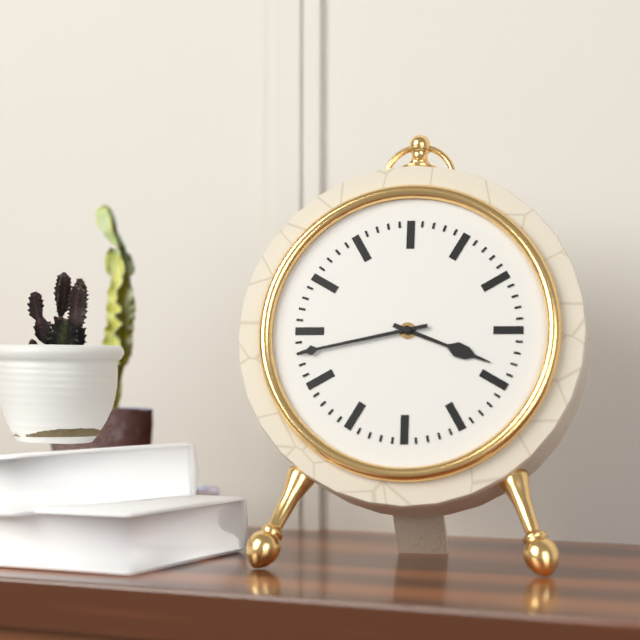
3,43
